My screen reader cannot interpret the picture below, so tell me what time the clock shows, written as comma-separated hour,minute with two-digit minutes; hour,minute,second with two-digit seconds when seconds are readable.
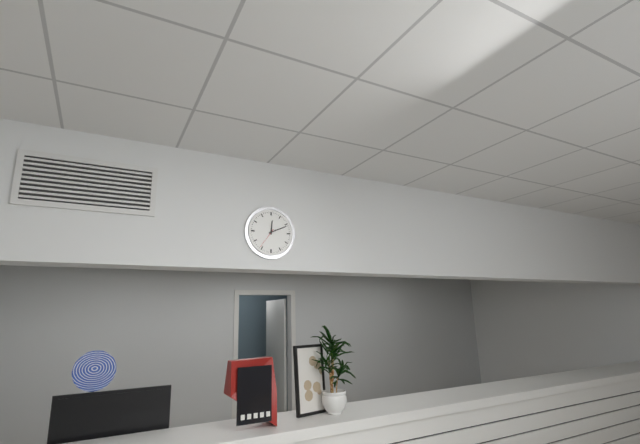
12,11
